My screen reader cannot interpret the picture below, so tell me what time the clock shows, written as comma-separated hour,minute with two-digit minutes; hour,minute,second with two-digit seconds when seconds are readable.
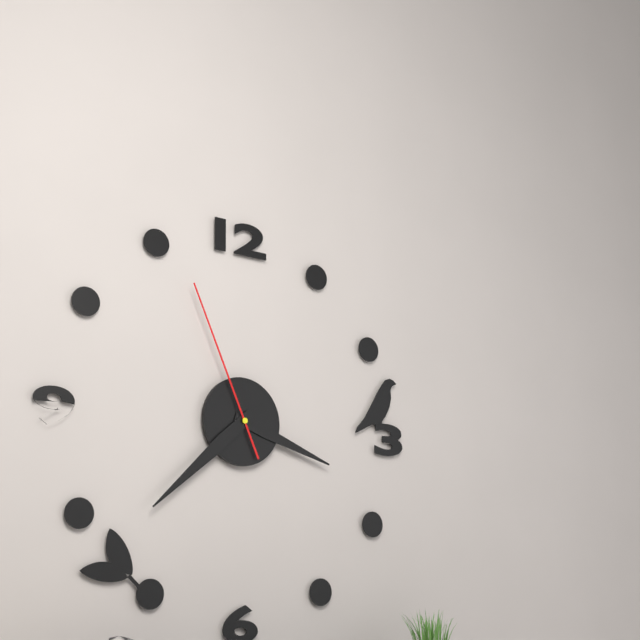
3,38,56
